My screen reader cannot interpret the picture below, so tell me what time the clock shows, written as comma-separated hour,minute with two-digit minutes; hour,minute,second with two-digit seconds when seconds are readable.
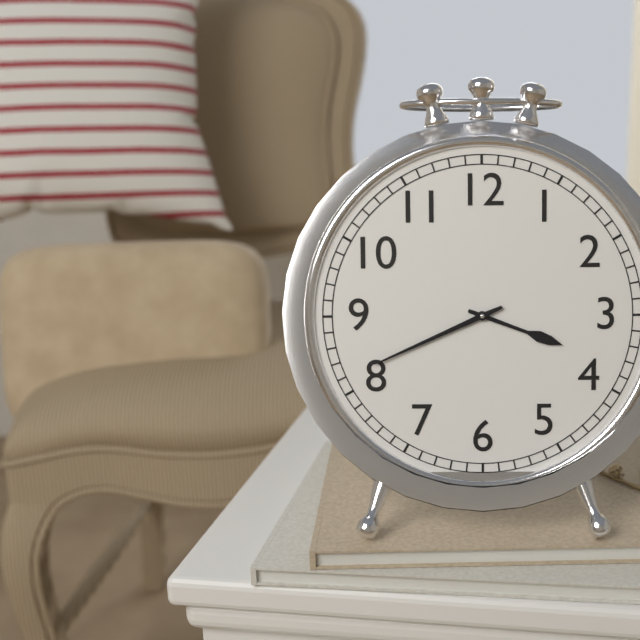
3,41
